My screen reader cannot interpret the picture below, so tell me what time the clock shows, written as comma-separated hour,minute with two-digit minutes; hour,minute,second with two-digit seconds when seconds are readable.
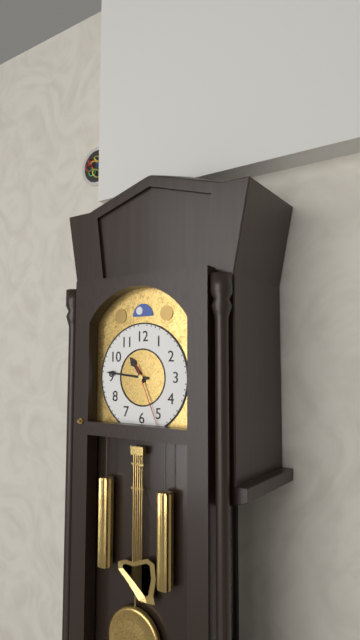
10,46,26
